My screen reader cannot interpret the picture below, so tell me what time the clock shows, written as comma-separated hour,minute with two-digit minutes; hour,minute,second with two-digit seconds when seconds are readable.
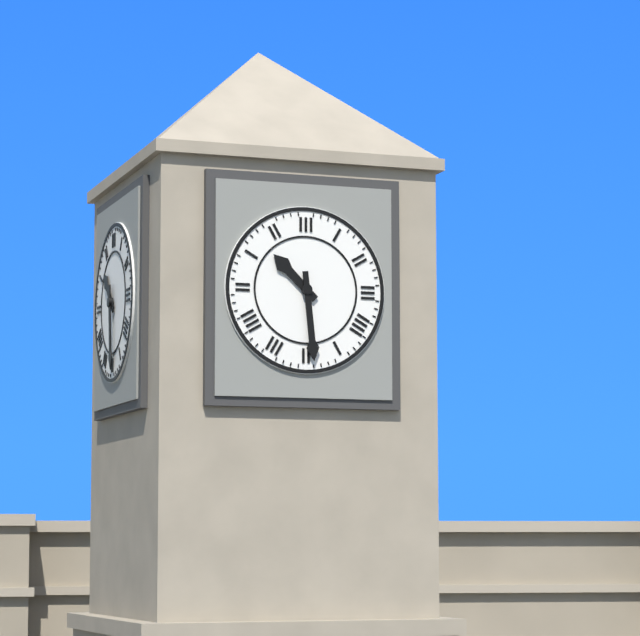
10,29
